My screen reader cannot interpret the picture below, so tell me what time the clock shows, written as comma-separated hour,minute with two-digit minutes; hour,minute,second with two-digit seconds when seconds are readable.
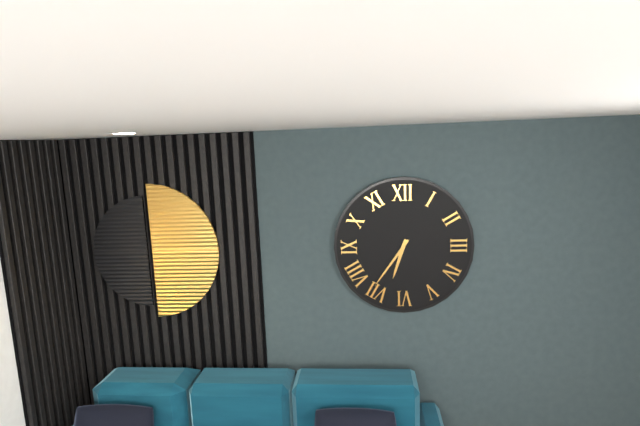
6,36
